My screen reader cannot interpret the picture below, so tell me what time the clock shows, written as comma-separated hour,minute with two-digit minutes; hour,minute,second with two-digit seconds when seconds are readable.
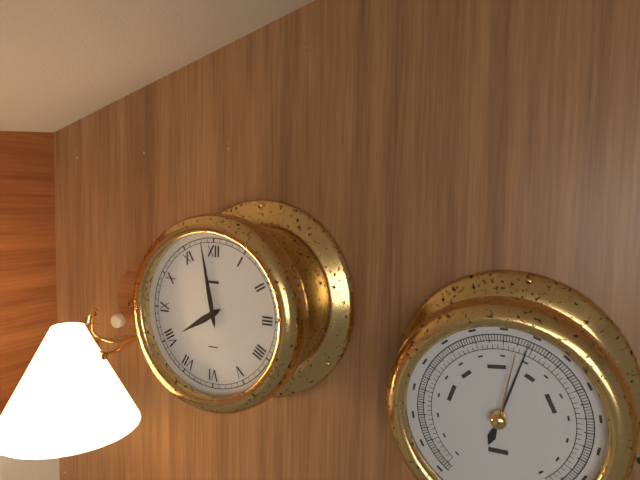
7,58
